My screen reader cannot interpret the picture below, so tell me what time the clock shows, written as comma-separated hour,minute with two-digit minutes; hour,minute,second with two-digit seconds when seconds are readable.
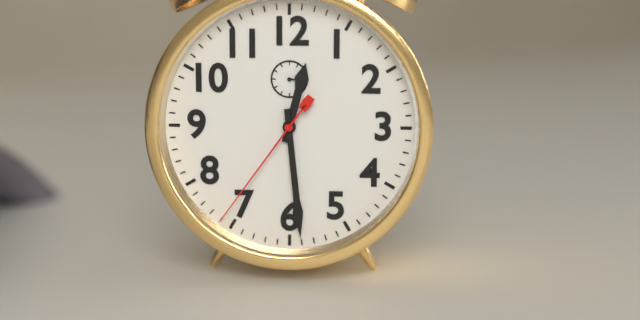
12,29,36
